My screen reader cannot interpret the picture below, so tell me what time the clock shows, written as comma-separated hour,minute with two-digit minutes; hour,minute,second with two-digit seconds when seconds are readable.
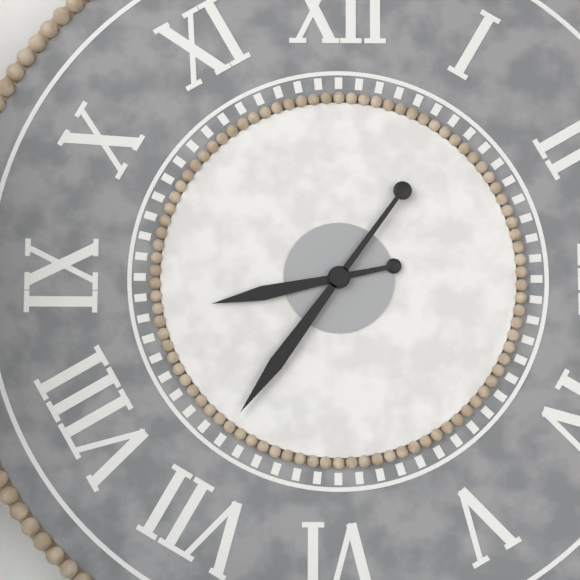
8,36
